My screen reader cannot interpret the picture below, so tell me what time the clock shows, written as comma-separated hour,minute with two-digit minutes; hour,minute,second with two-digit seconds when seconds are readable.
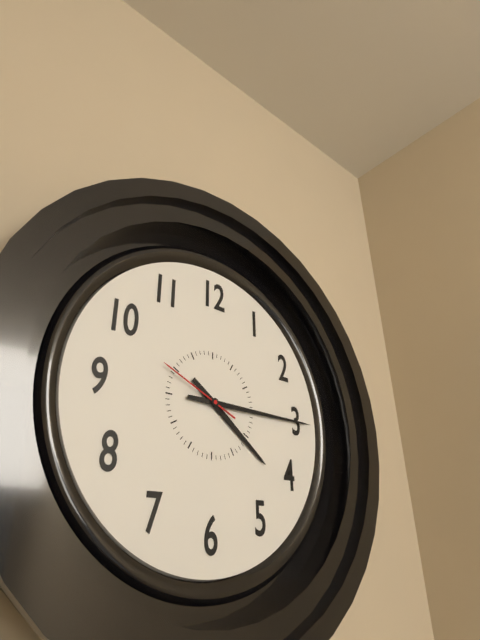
4,15,49
